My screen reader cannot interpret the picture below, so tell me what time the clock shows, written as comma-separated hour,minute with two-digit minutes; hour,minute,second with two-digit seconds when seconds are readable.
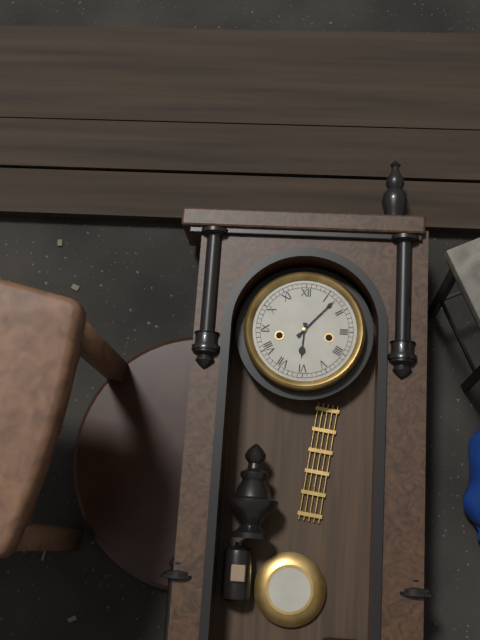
6,07
